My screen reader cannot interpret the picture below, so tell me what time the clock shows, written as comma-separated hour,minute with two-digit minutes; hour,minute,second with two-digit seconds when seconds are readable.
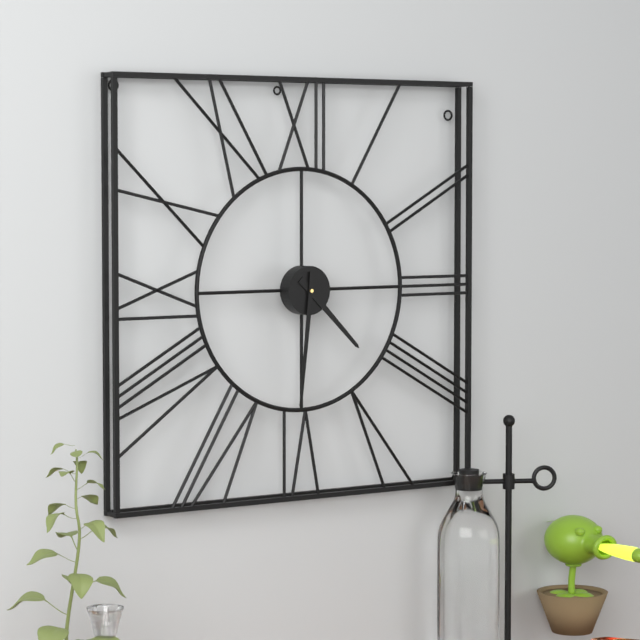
4,31
